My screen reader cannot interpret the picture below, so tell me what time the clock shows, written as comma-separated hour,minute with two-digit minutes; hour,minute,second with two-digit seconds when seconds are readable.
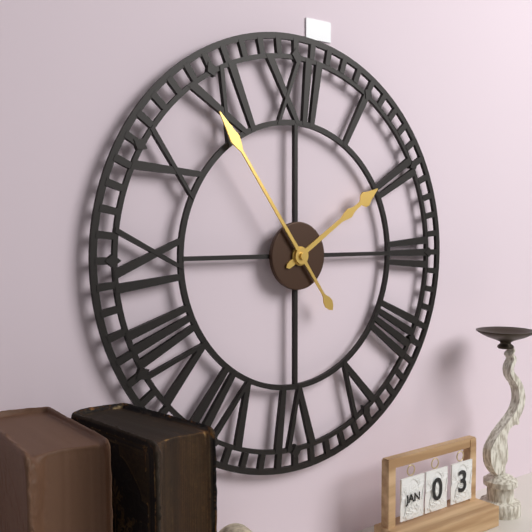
1,54
